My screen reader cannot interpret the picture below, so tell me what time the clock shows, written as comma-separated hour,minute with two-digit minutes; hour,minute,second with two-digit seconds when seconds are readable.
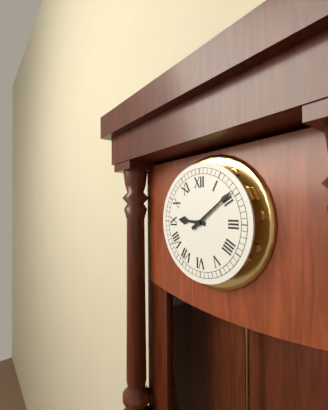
9,09
